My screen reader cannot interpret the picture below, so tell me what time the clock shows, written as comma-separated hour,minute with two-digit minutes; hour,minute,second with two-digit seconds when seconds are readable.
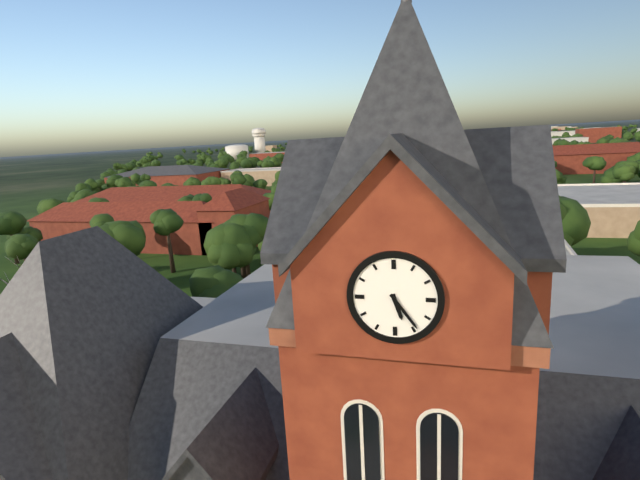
5,24
